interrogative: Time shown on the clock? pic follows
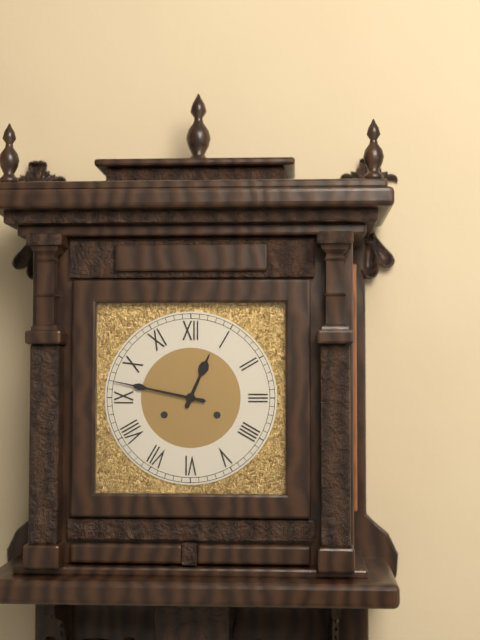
12:47
